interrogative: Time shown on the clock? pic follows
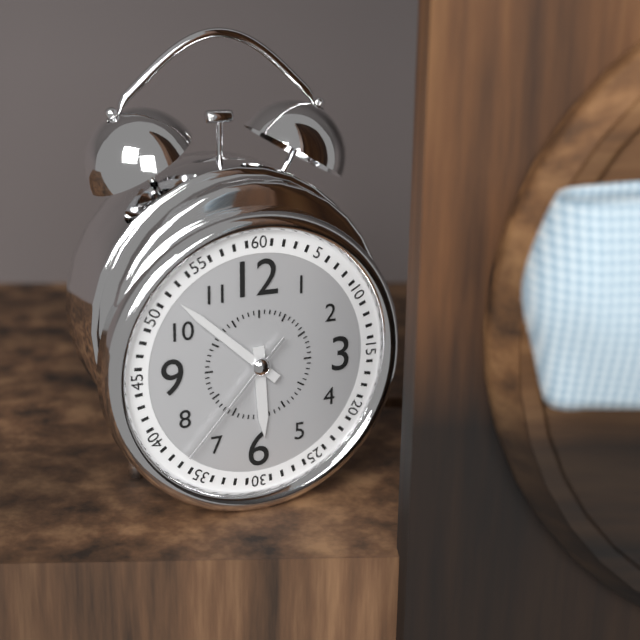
5:52:37
